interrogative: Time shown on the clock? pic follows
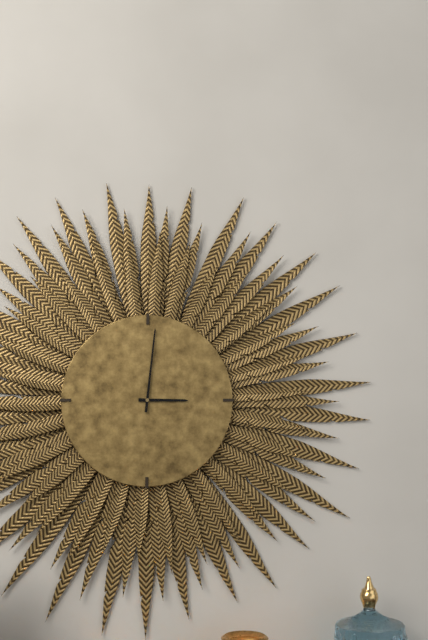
3:01
